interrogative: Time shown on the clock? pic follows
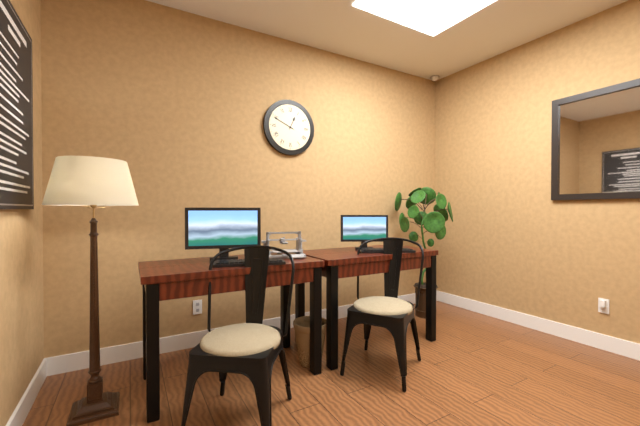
12:49
